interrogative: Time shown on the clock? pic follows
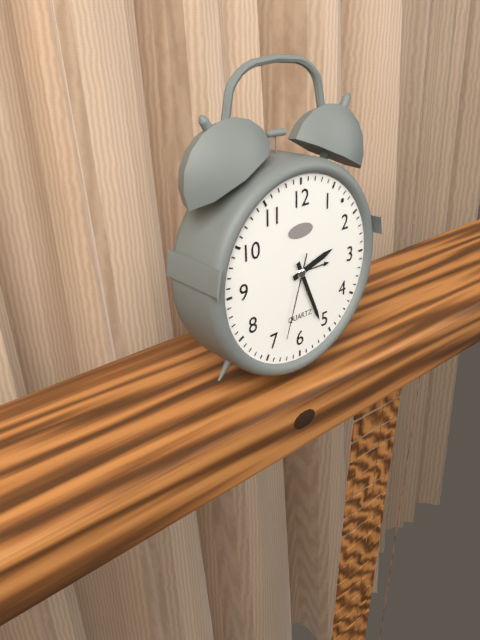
2:26:33
